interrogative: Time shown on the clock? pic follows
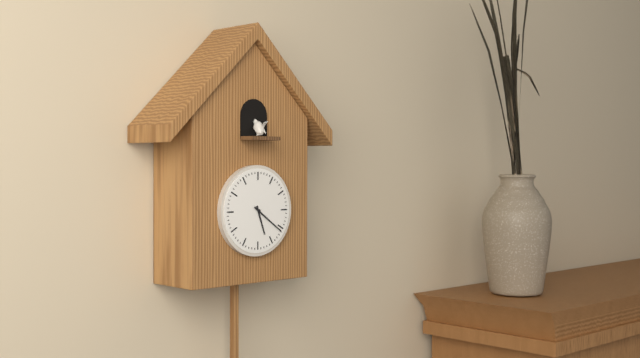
5:21
